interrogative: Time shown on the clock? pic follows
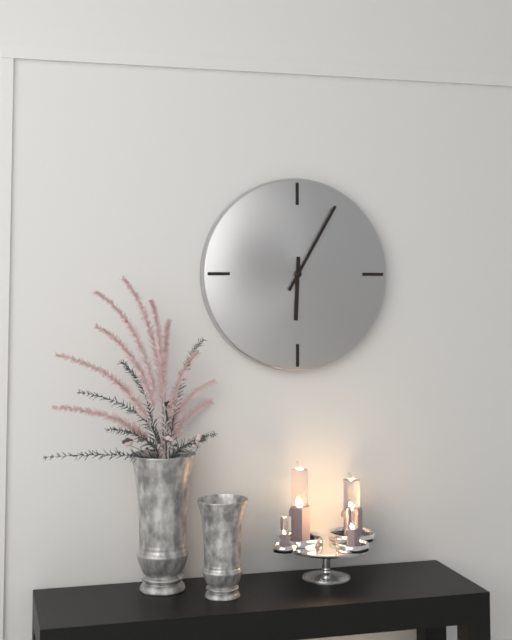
6:05
